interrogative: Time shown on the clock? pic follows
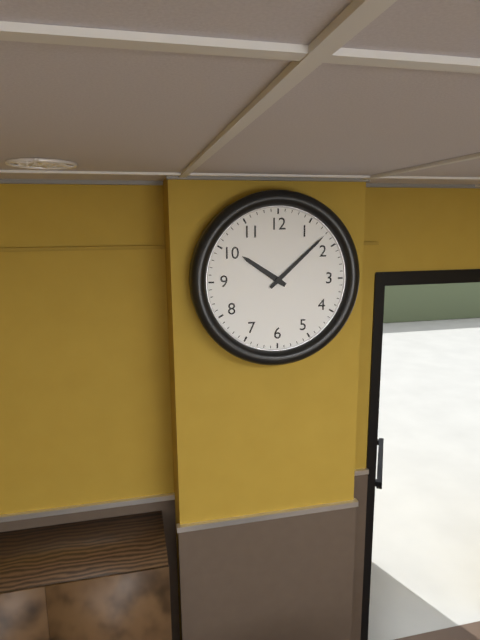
10:08
